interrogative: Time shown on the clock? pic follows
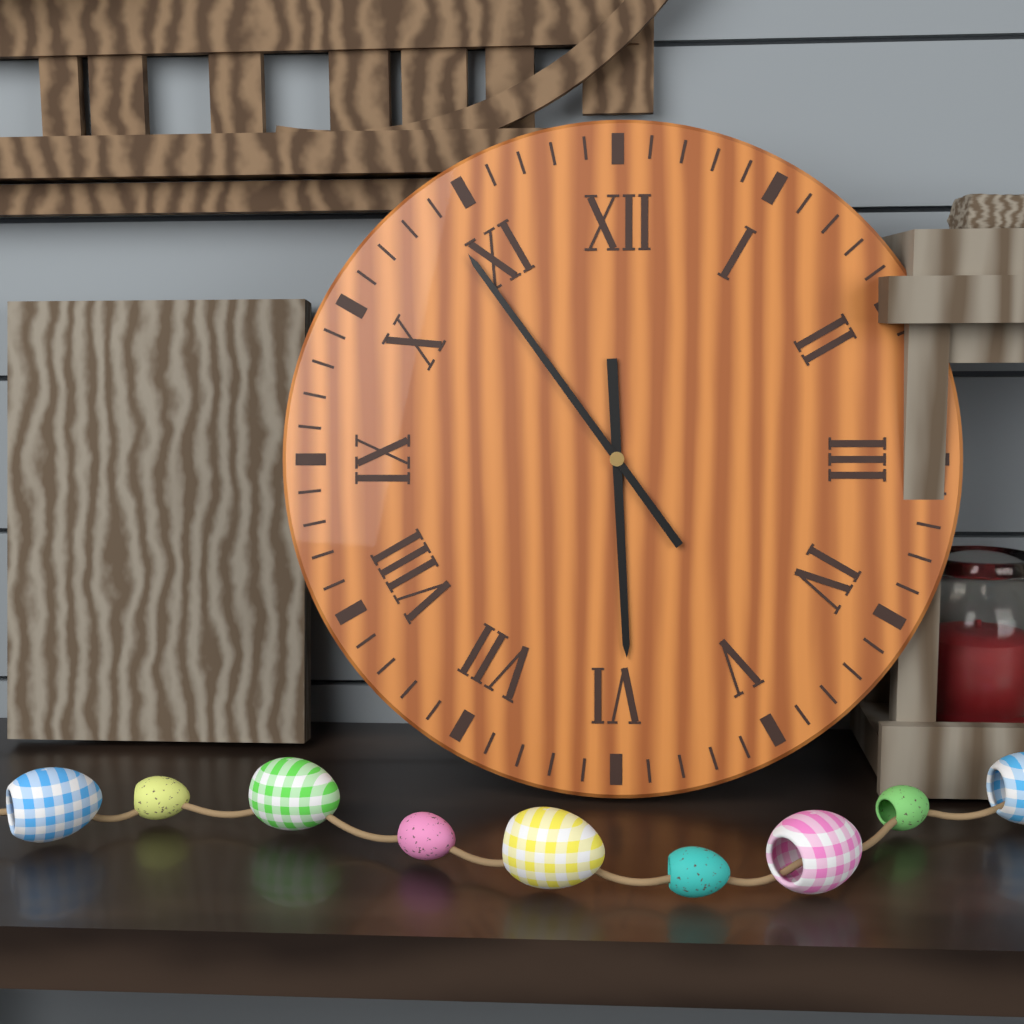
5:54
